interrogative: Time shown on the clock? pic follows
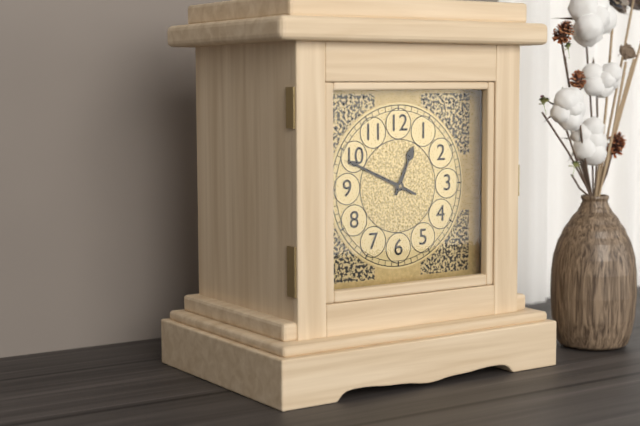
12:49
